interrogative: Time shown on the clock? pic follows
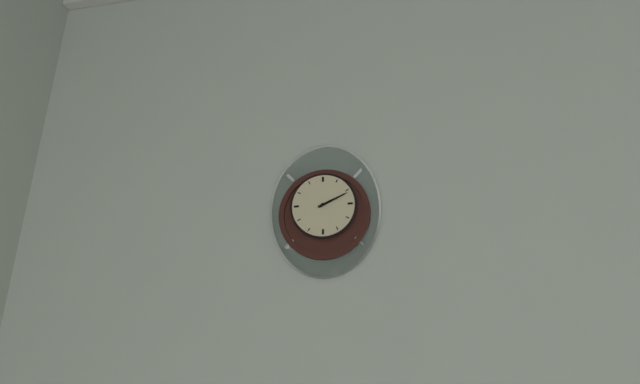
2:11
